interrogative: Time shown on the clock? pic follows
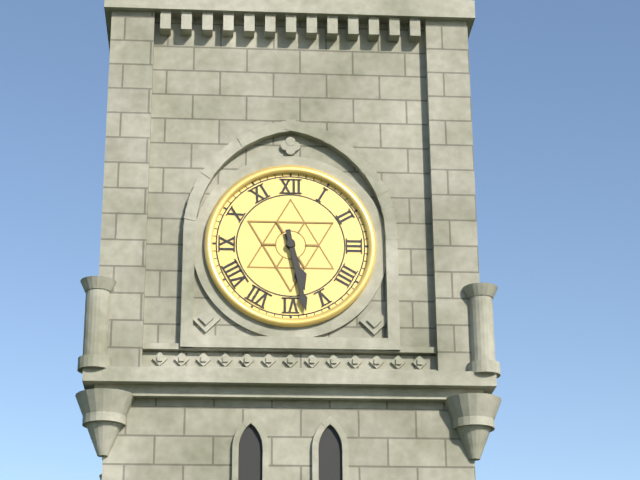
5:28
